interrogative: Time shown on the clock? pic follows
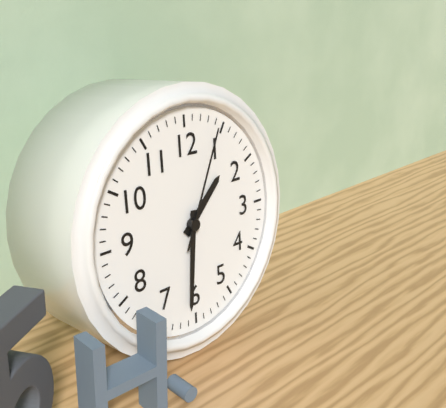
1:31:04
